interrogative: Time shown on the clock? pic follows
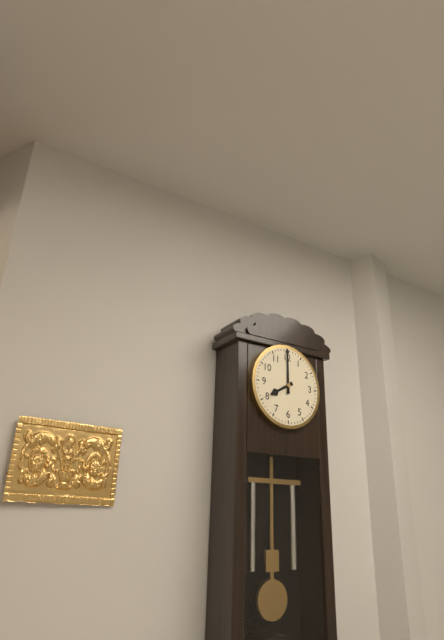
8:00
